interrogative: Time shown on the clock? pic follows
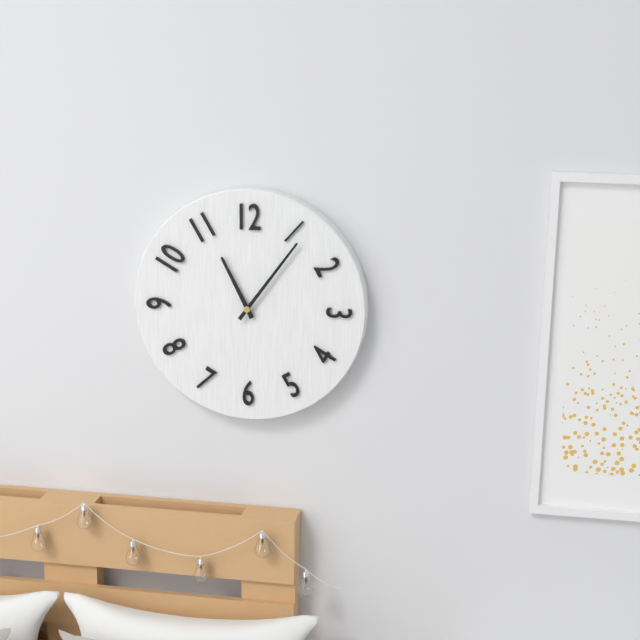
11:06
